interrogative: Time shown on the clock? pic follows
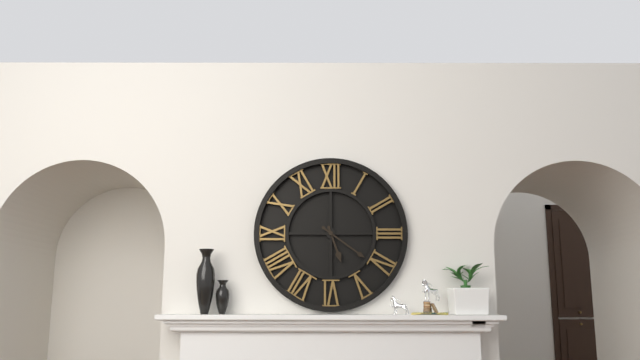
5:21
